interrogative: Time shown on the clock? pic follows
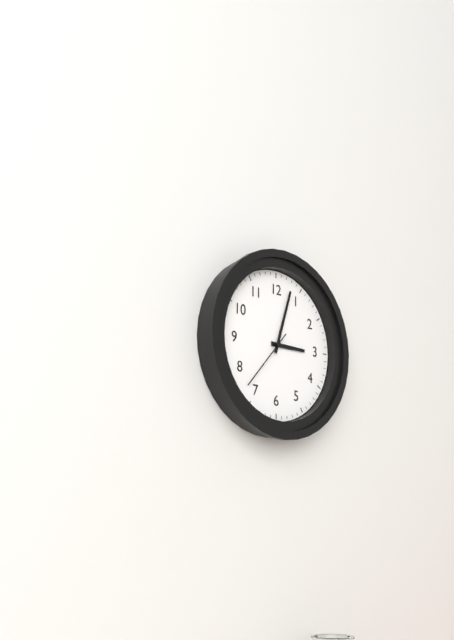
3:03:37
